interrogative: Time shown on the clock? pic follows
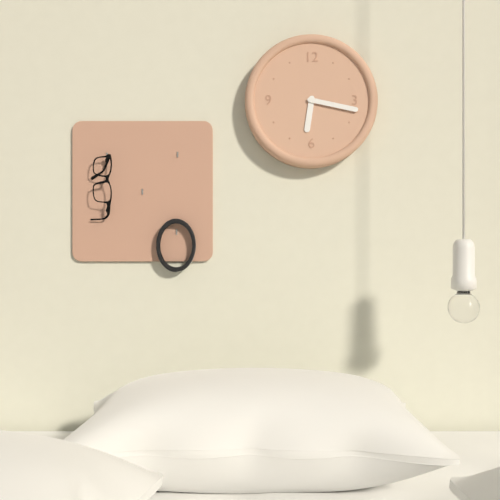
6:17
